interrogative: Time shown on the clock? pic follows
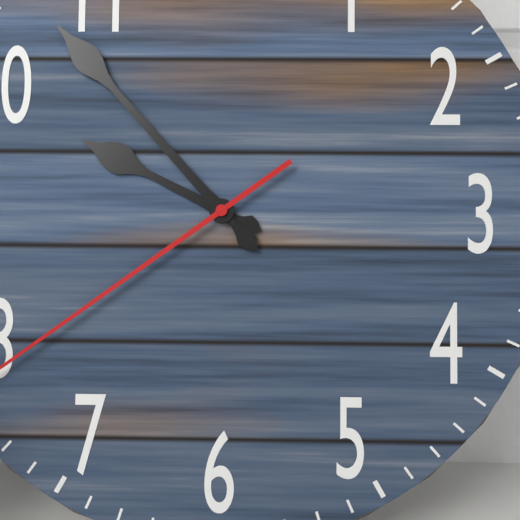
9:53
